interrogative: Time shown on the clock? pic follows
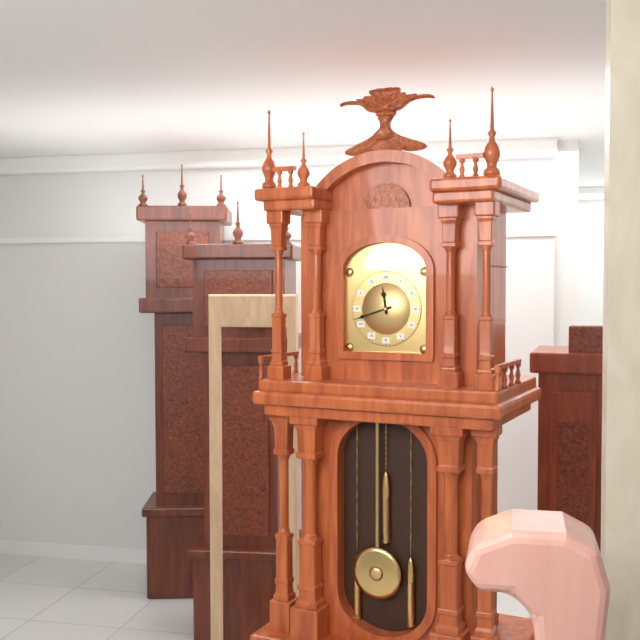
11:42
